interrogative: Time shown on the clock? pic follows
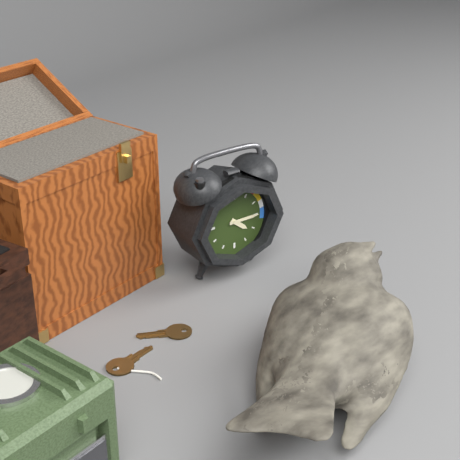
4:15
